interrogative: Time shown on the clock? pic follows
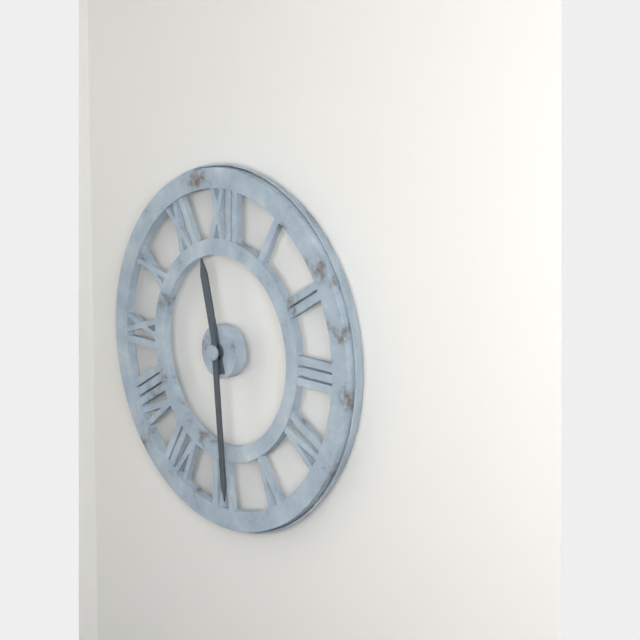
11:29
